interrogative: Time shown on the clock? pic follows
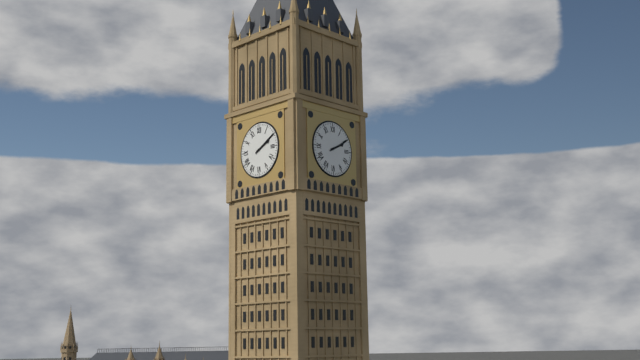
2:10
